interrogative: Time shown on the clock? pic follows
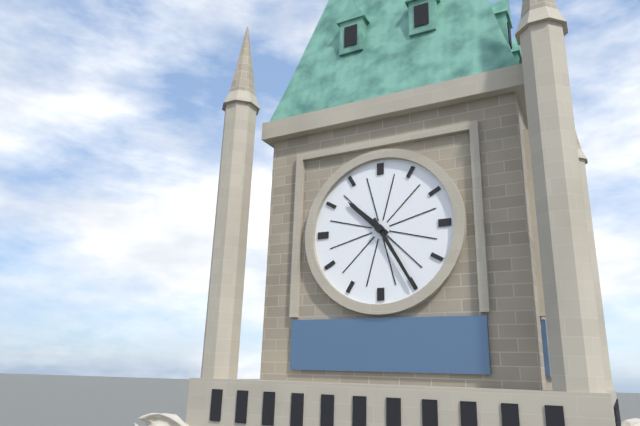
10:25
